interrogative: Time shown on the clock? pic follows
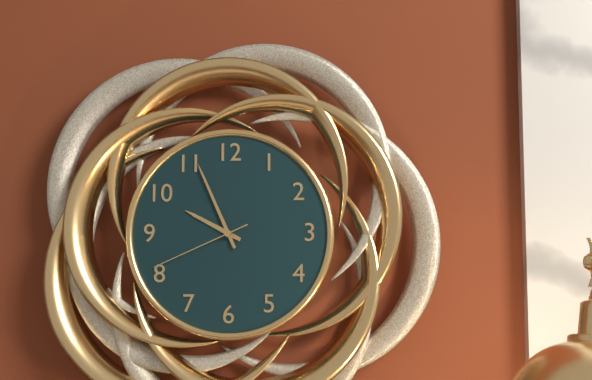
9:56:41
